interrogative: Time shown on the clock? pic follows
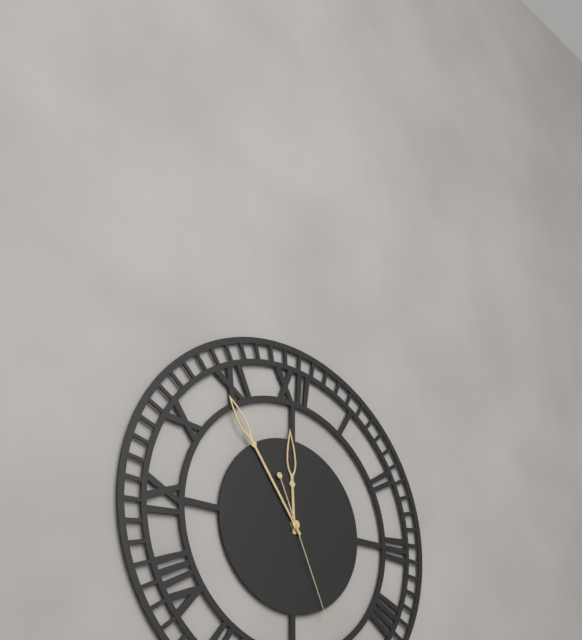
11:54:26
